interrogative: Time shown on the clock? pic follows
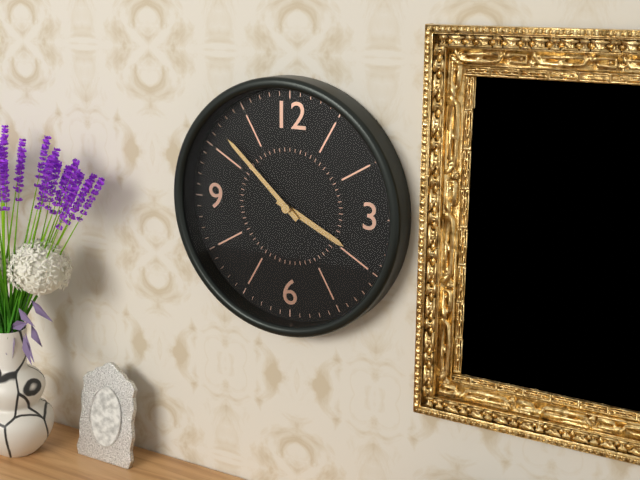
3:52
